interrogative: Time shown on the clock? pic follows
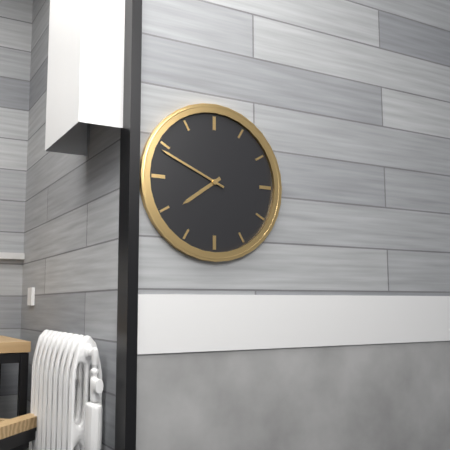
7:49
